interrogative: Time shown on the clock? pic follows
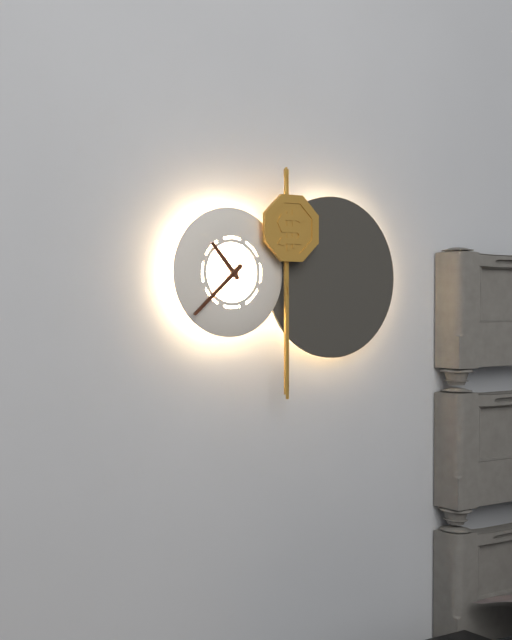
10:38
